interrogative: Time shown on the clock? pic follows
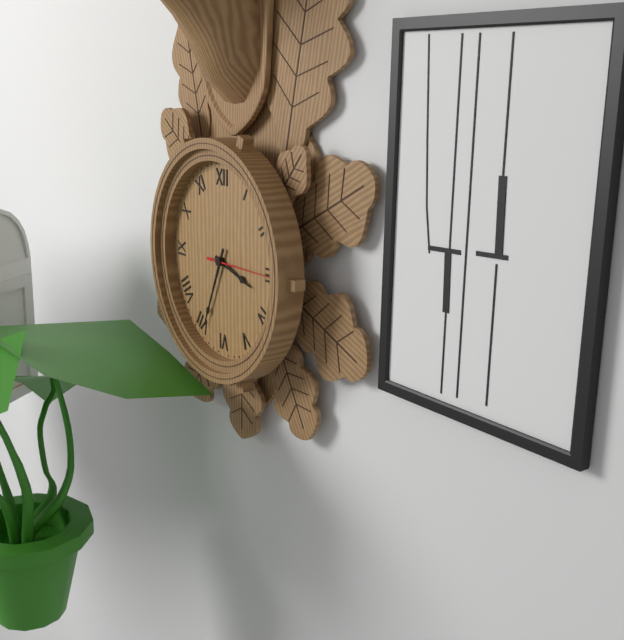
3:34:15
